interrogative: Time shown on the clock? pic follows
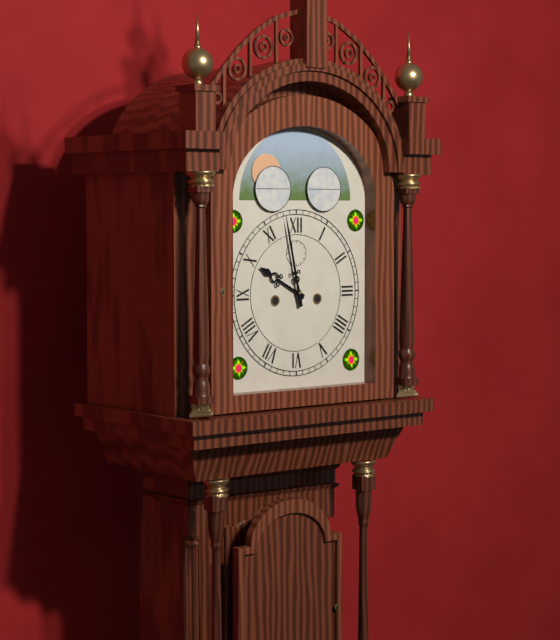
9:58
